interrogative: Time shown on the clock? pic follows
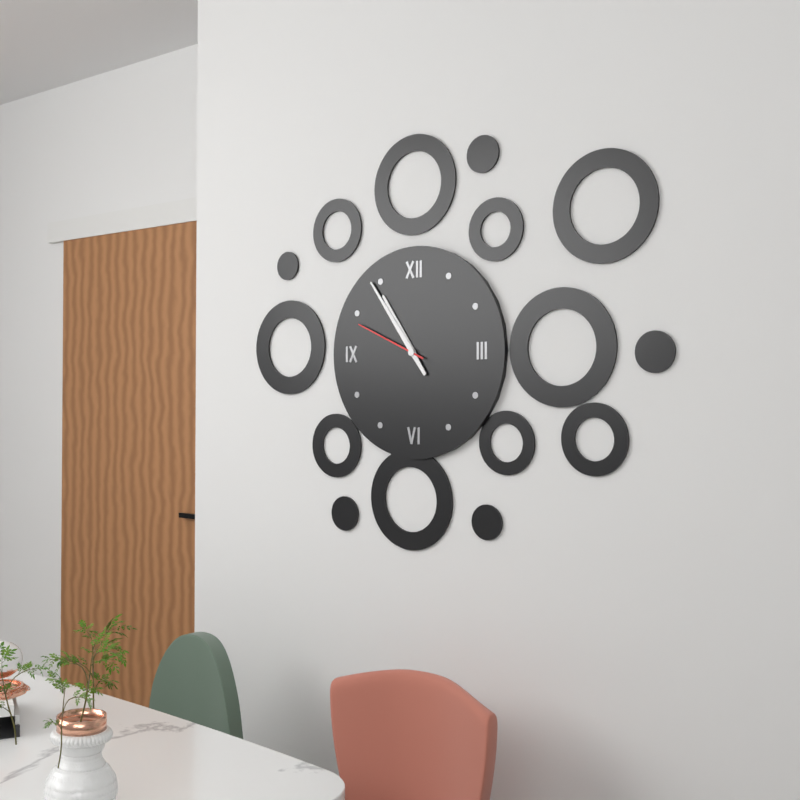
10:54:49
